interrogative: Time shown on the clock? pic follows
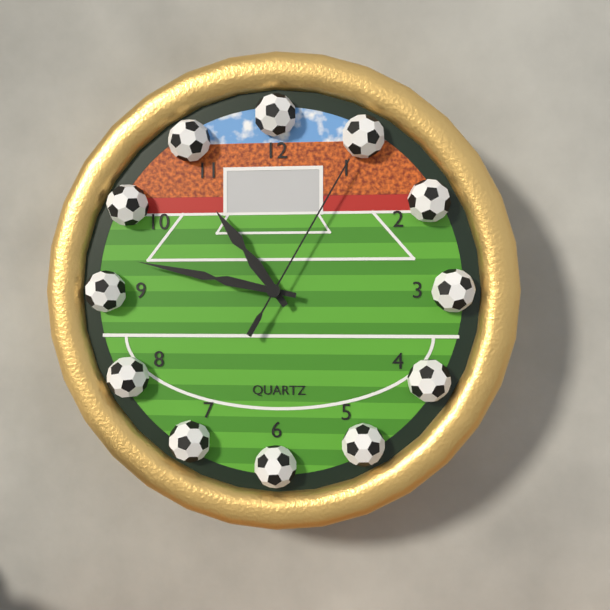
10:47:05
